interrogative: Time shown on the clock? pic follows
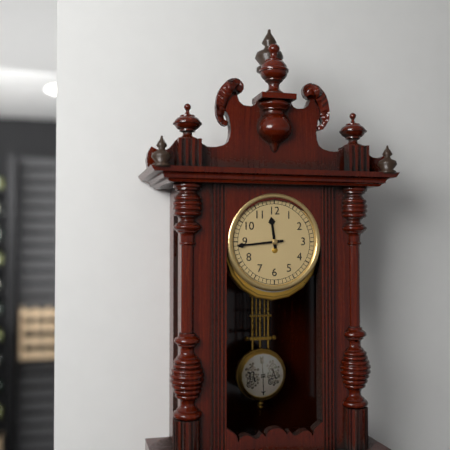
11:44
